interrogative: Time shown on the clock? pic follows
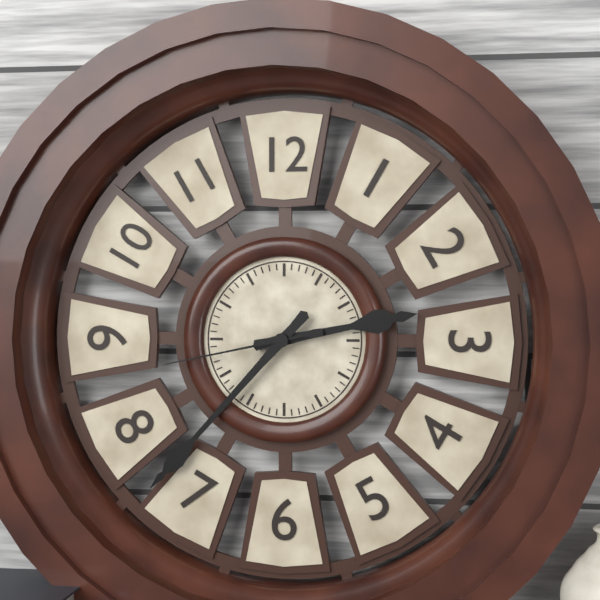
2:37:43
